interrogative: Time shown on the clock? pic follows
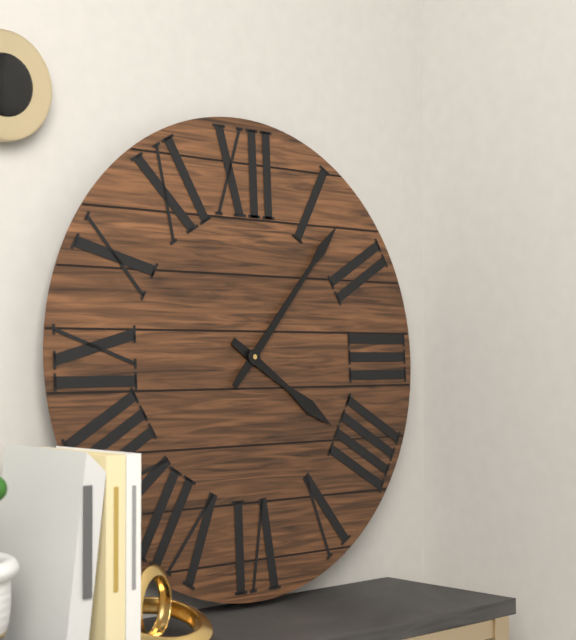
4:07
